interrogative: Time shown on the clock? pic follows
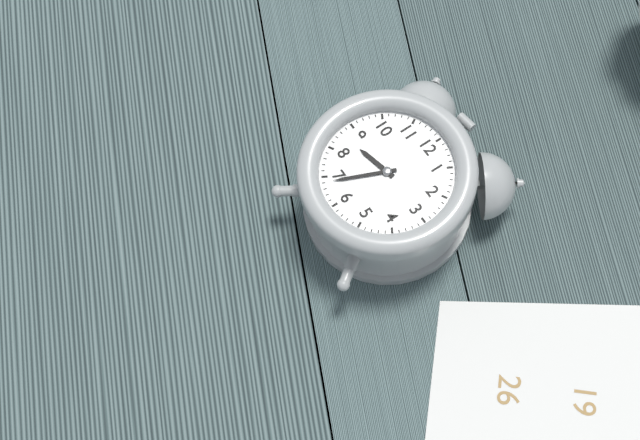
8:34
